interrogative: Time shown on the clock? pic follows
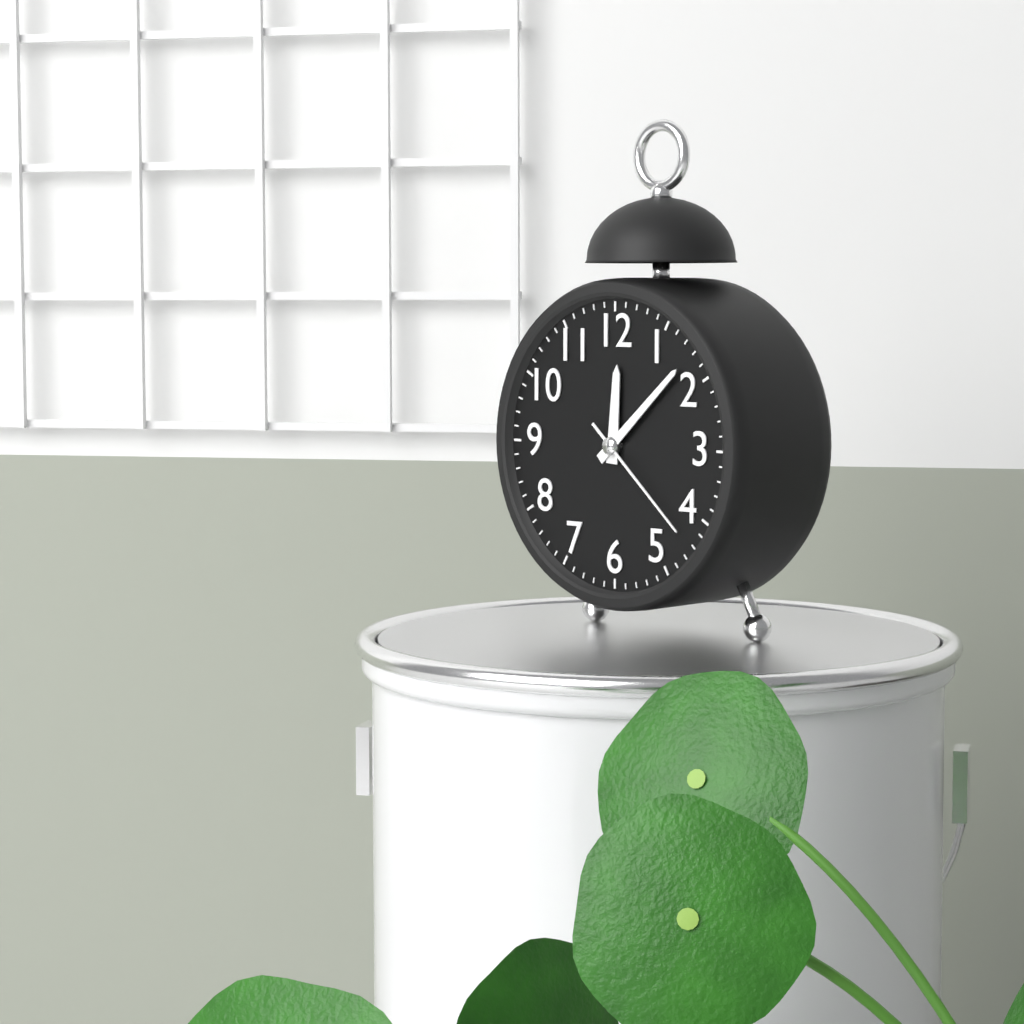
12:08:22
